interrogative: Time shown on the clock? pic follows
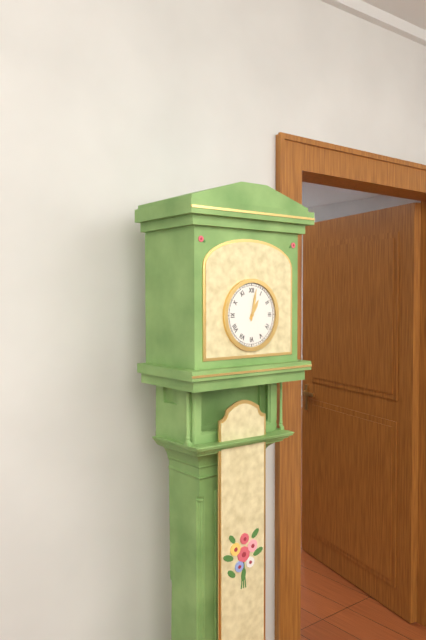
1:02
